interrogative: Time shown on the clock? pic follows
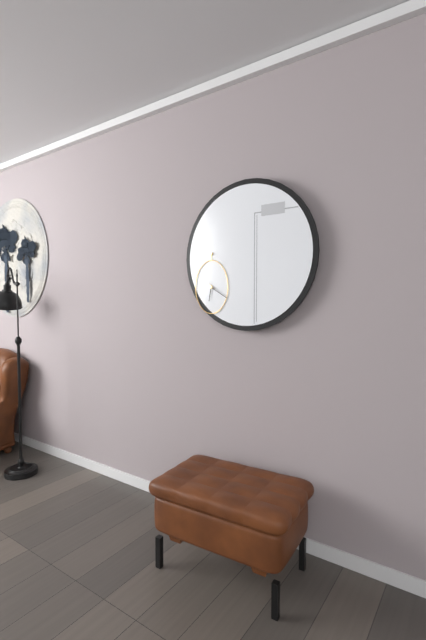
6:20
